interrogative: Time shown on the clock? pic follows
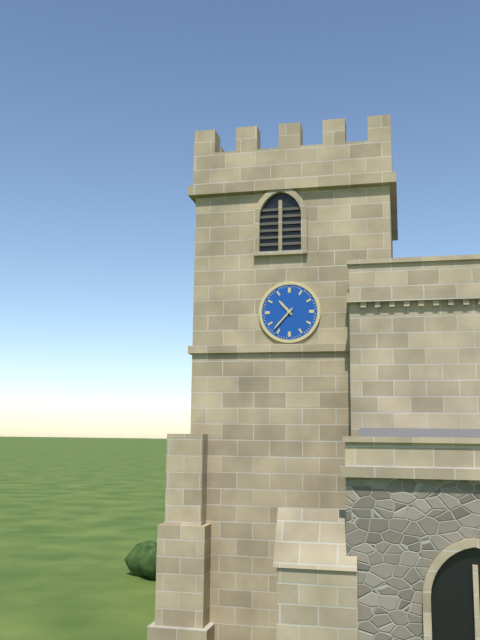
10:37
